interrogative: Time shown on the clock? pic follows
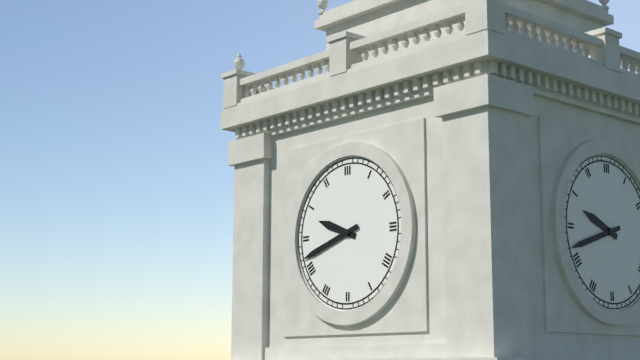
9:42
